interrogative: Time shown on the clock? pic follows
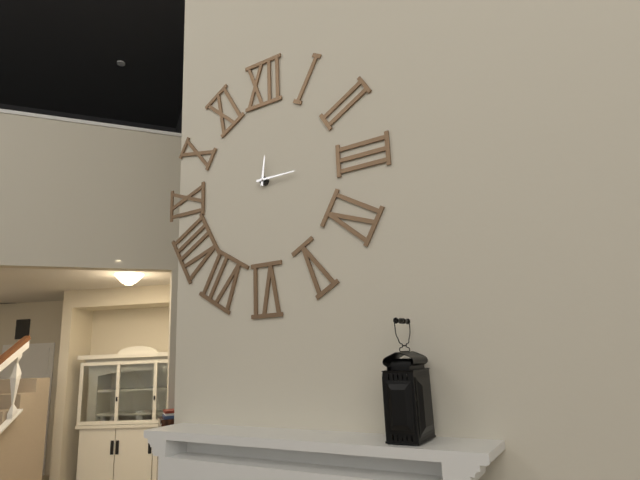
12:15
